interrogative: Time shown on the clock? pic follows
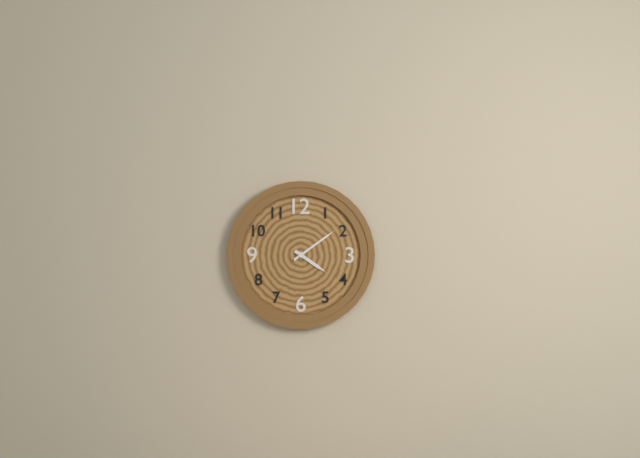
4:09
